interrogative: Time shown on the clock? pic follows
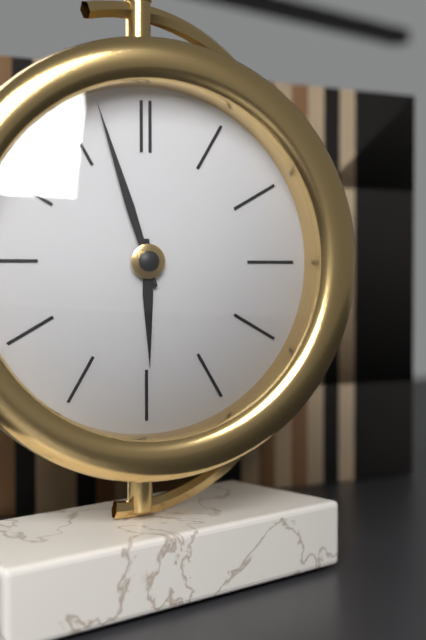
5:57
